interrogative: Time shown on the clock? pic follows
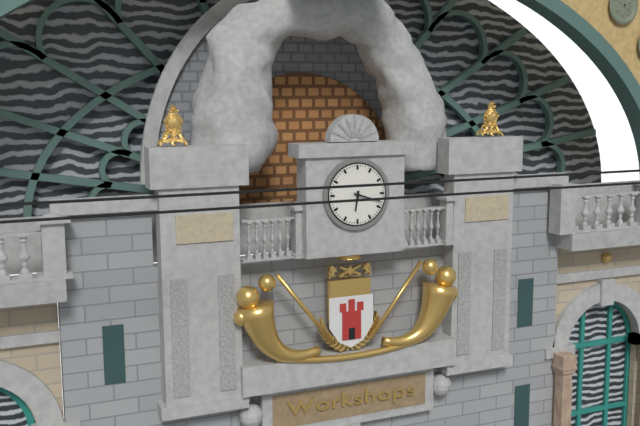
6:18
